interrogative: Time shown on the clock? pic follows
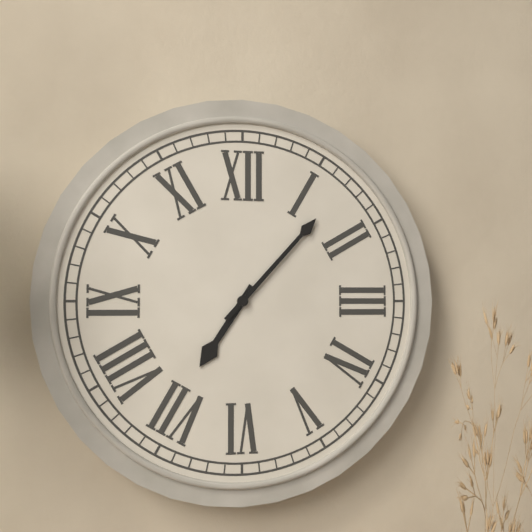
7:07
